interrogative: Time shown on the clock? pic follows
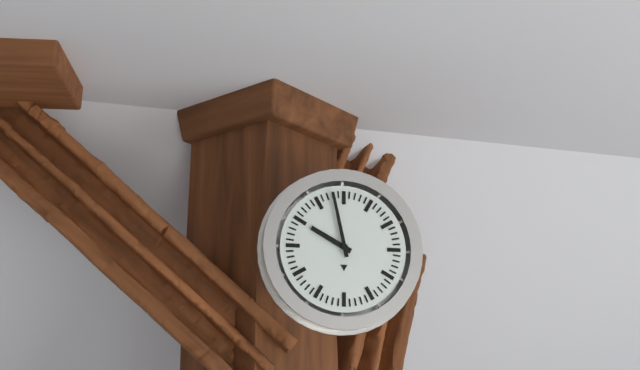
9:58
